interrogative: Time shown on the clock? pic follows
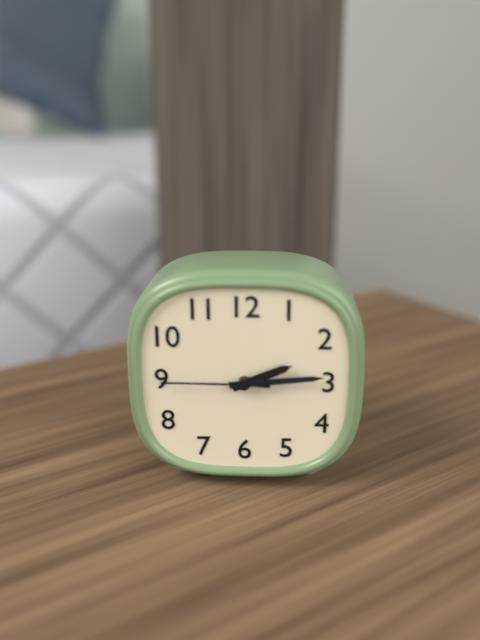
2:14:45
